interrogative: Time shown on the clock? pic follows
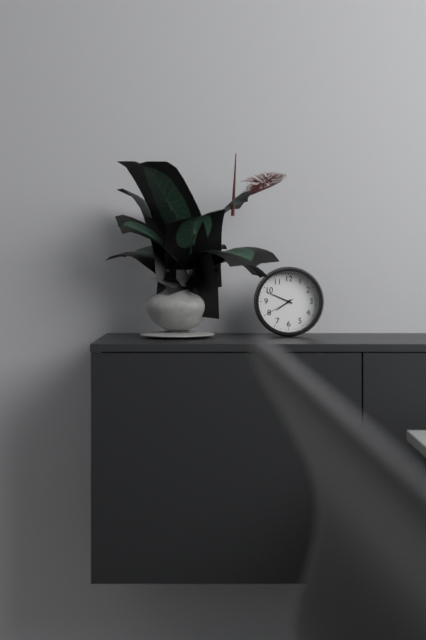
7:49
